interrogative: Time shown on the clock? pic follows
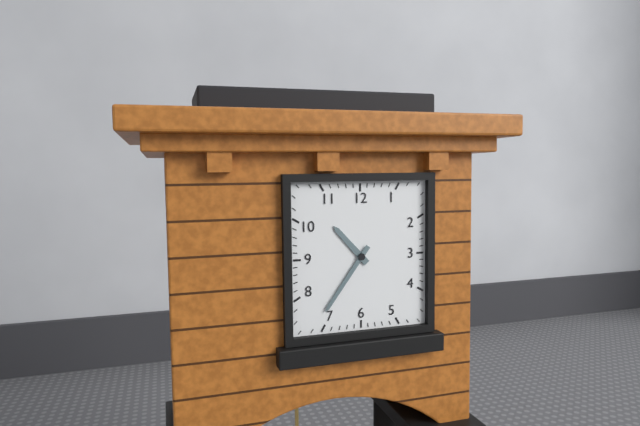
10:36
